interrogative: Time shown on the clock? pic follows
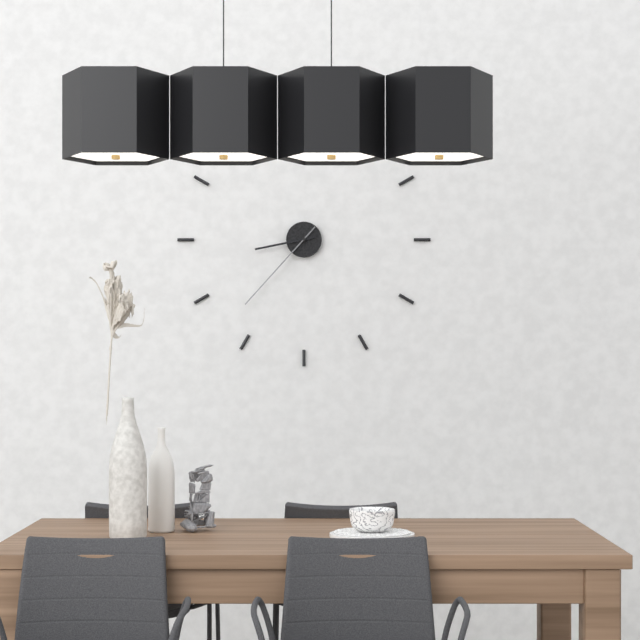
8:37
